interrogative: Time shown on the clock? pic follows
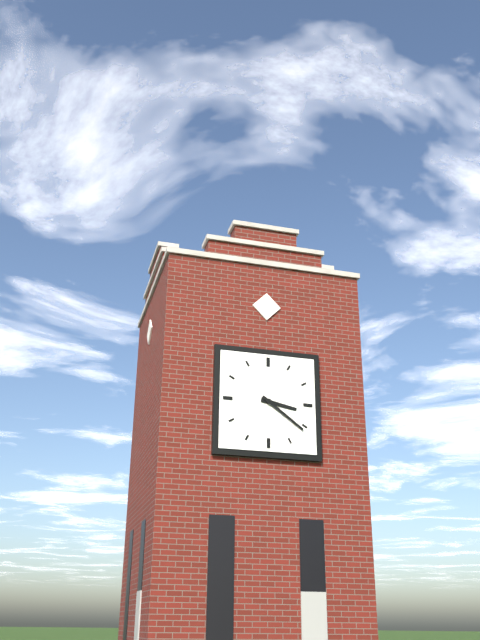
3:21
